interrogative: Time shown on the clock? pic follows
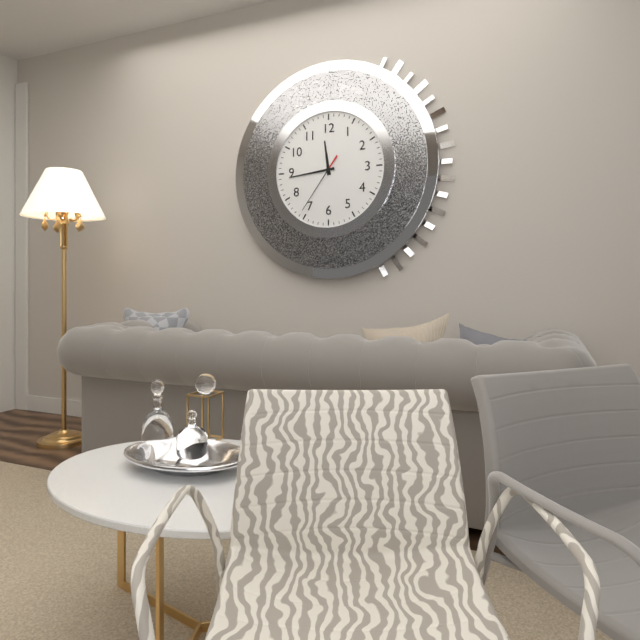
11:44:36
